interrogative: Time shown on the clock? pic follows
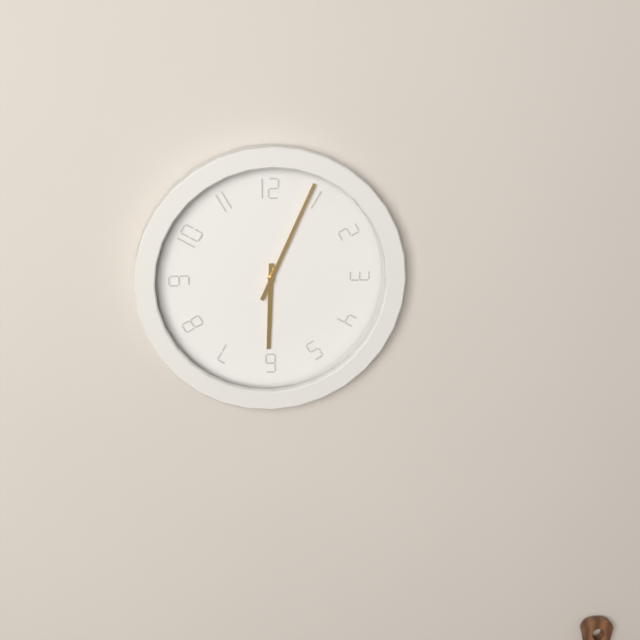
6:04
